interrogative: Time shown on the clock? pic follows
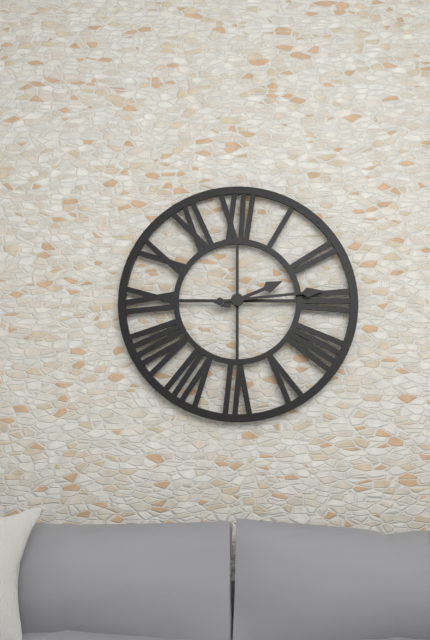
2:14
